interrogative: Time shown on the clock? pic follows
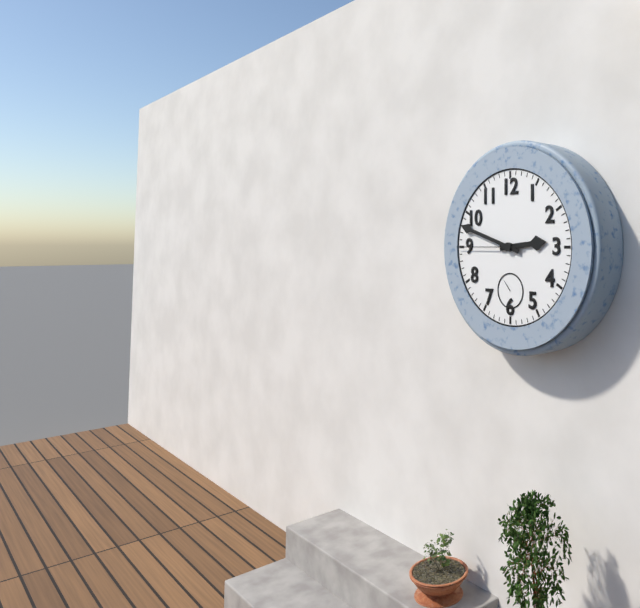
2:48:45
